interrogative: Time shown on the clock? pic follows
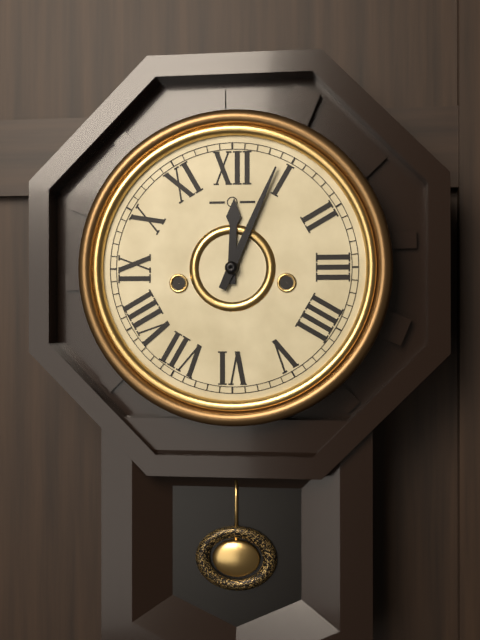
12:04
